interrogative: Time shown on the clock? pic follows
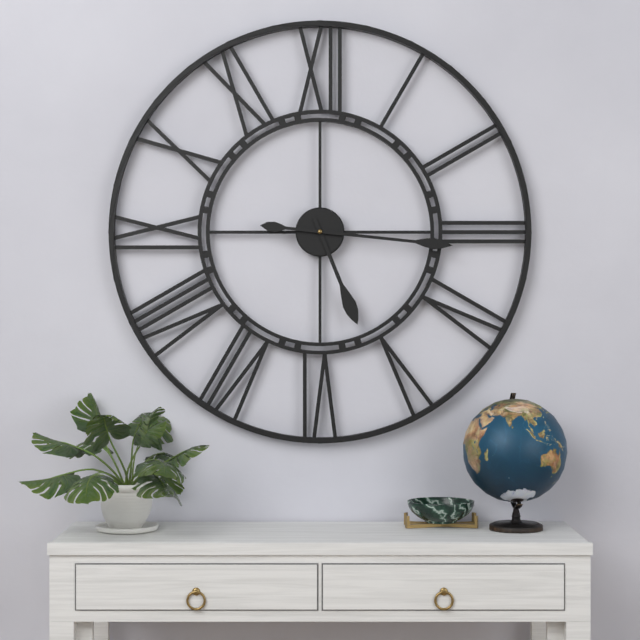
5:16
